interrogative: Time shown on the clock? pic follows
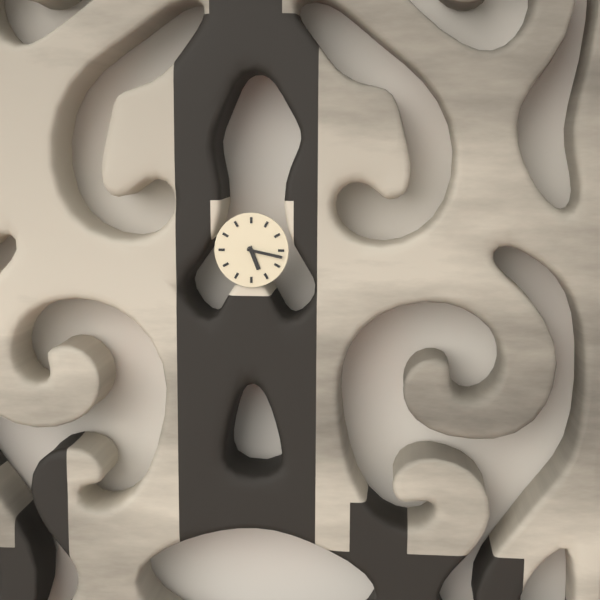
5:17
